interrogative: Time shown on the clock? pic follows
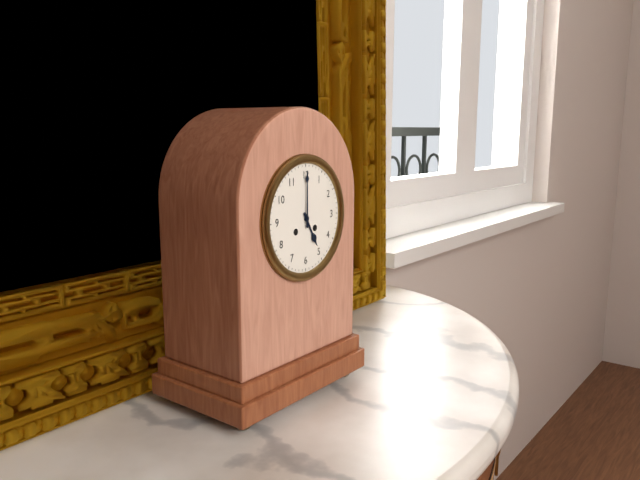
5:00
